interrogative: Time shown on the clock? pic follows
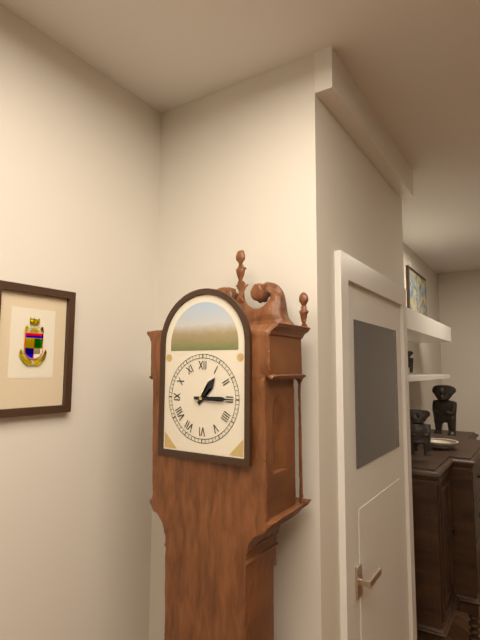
1:15
